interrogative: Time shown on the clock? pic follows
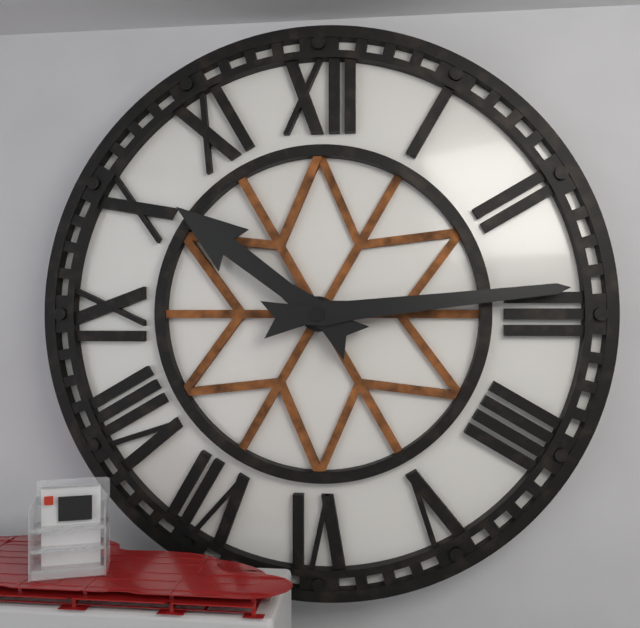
10:14
